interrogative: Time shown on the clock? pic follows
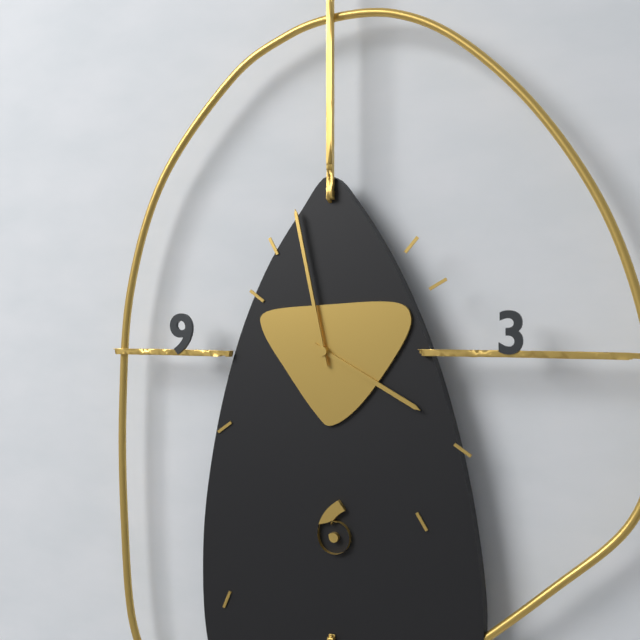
3:58
